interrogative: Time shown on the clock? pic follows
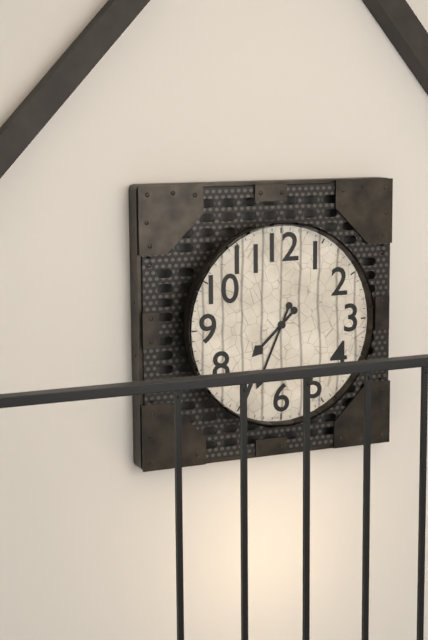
7:34
